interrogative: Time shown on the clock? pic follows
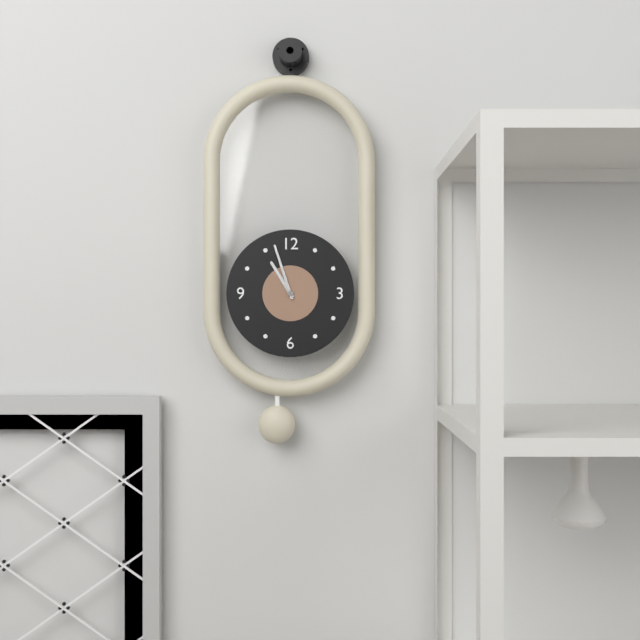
10:57
